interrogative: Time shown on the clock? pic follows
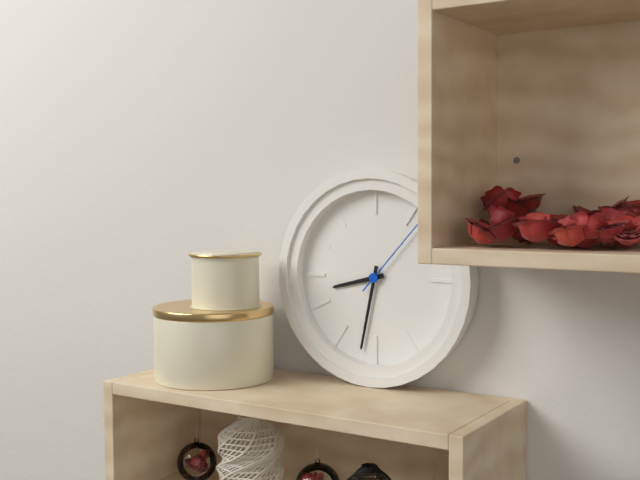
8:32:07
